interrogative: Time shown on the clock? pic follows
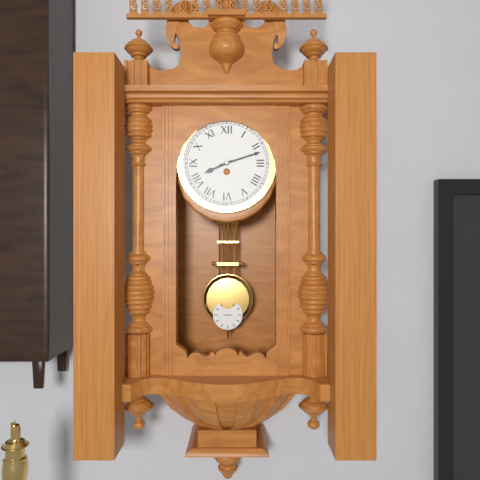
8:12
